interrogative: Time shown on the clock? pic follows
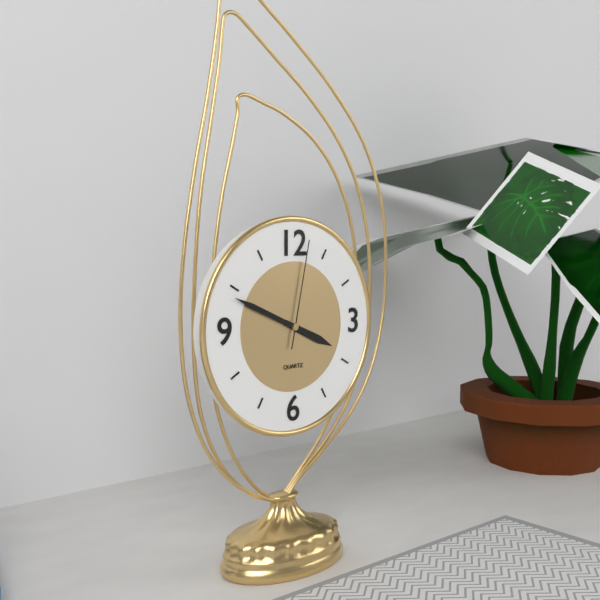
3:49:02
